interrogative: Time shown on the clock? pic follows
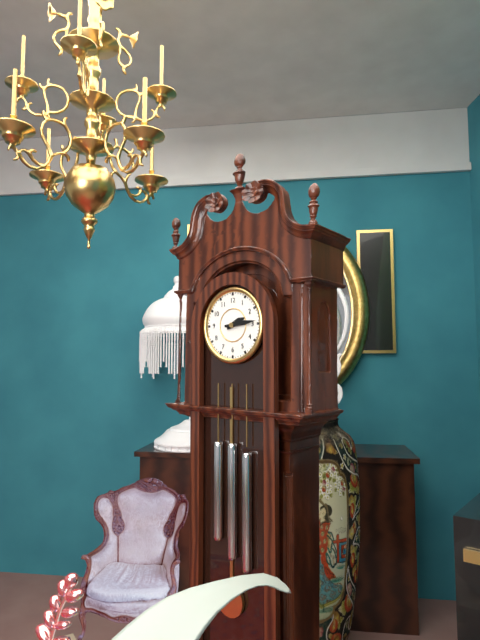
2:14
